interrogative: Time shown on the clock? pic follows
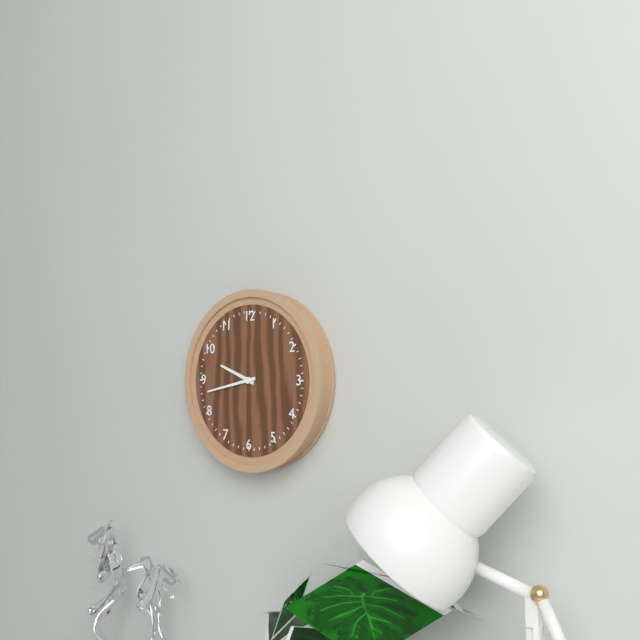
9:43
